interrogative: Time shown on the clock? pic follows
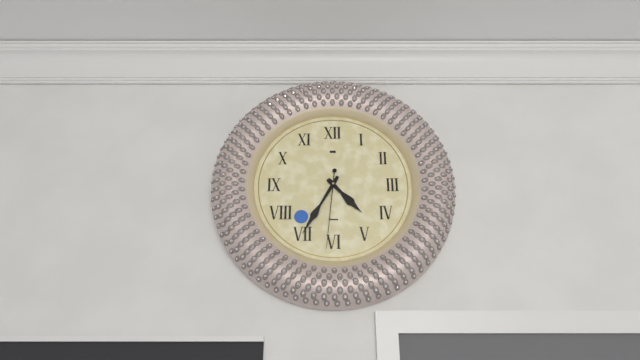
4:35:31
